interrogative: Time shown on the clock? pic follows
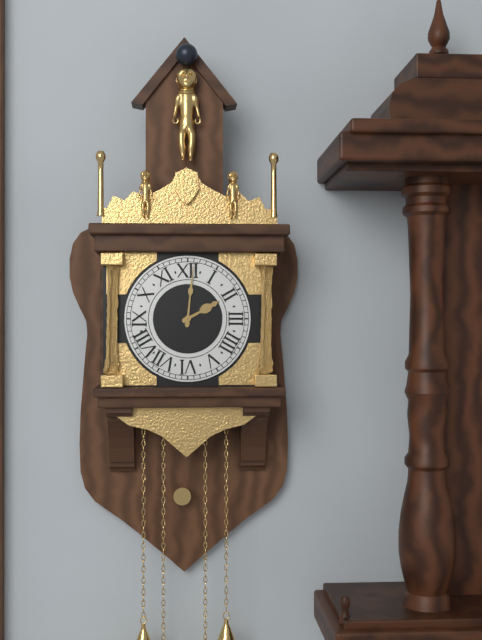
2:01
